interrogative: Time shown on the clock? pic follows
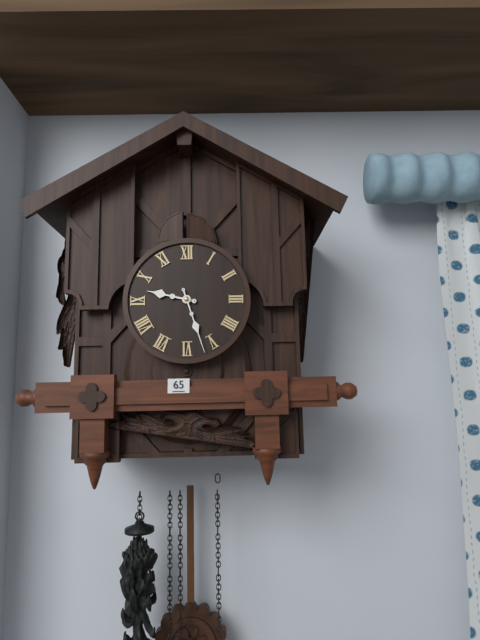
9:27
